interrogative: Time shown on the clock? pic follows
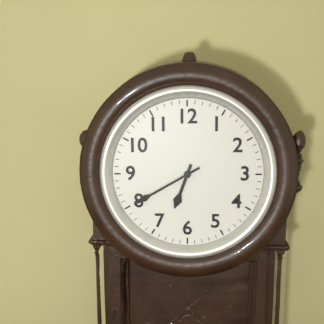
6:40
